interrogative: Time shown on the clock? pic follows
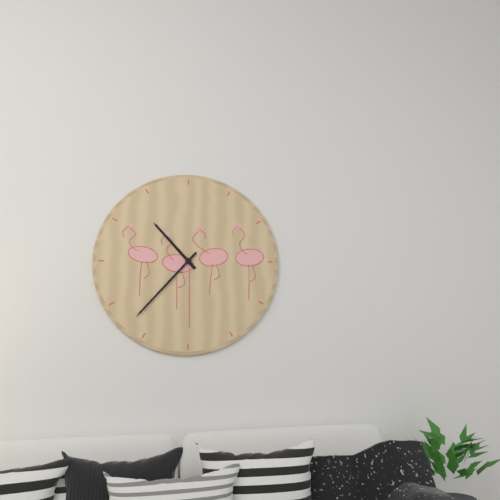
10:37
